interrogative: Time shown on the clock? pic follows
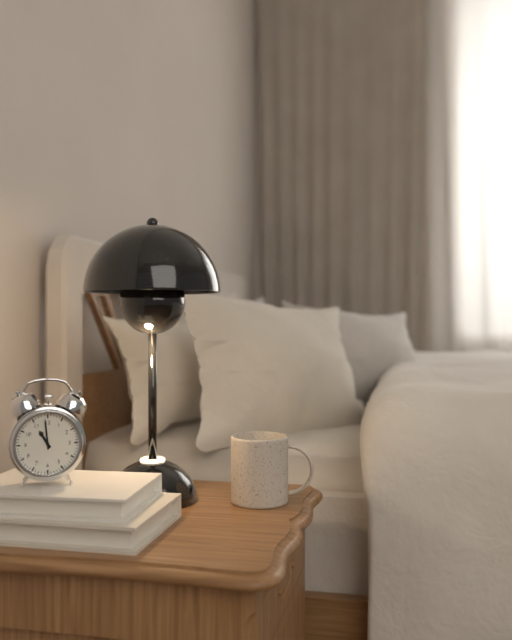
10:59
